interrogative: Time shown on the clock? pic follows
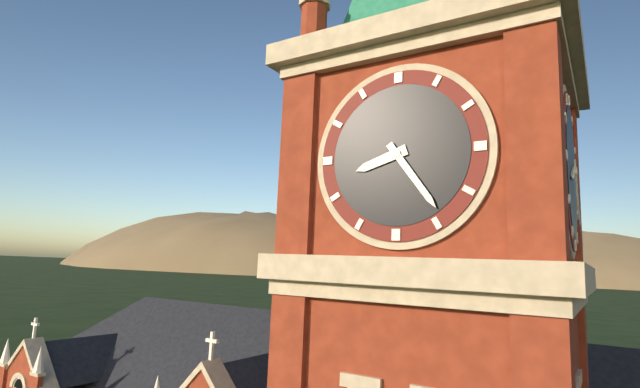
8:24
